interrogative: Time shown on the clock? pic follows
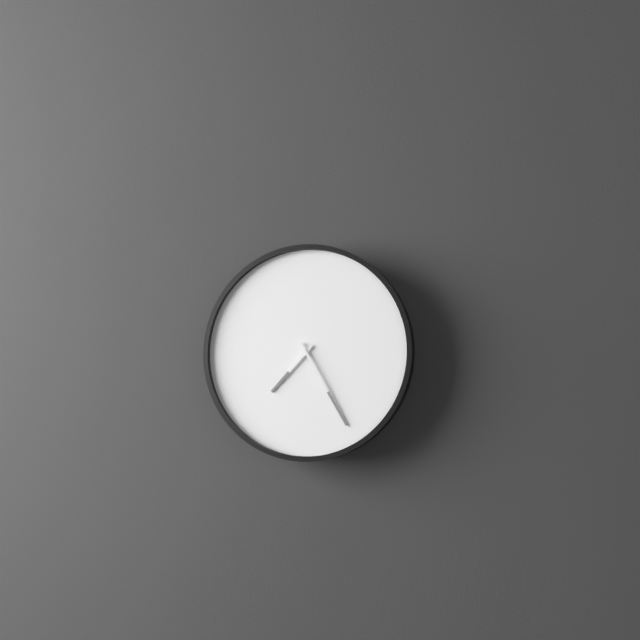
7:25
